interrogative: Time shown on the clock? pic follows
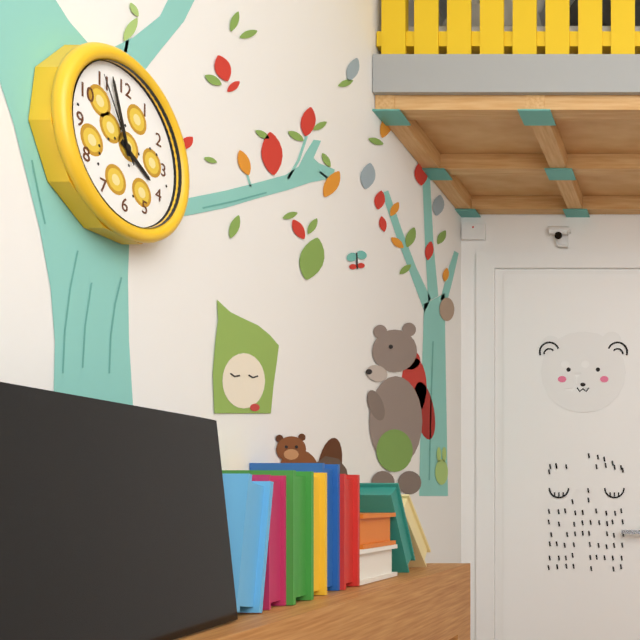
3:57:55
